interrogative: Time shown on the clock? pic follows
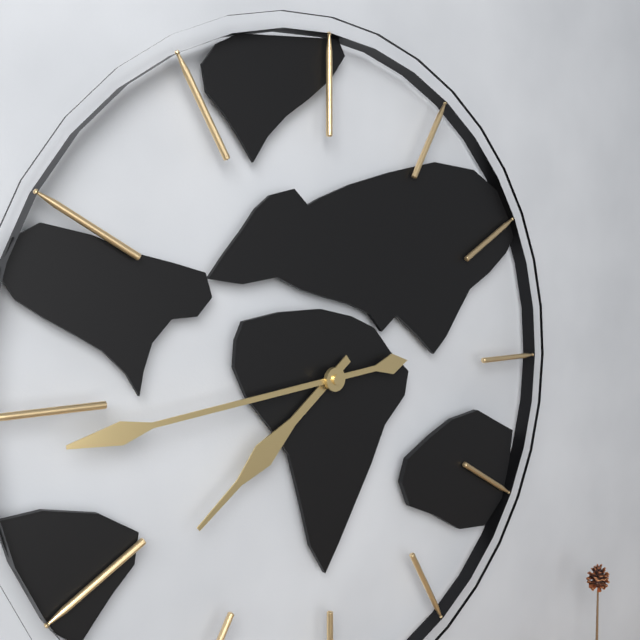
7:44
